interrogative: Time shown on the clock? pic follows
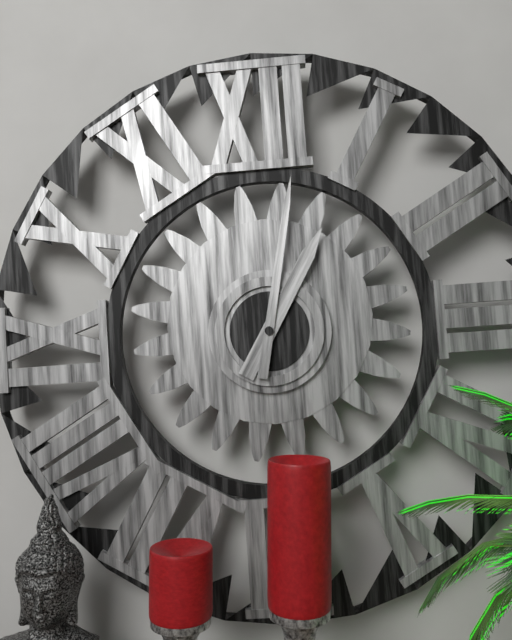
1:02
